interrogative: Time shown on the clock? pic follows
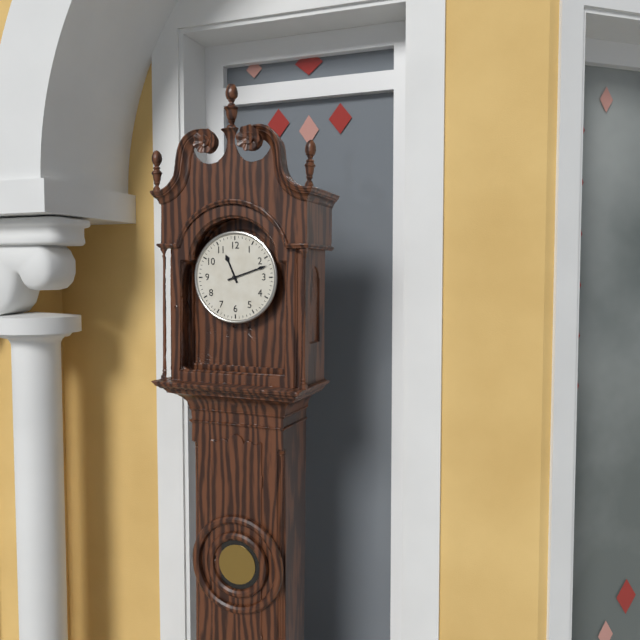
11:12
